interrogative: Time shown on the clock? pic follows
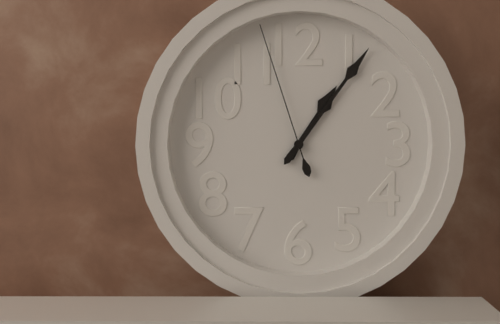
1:06:57
